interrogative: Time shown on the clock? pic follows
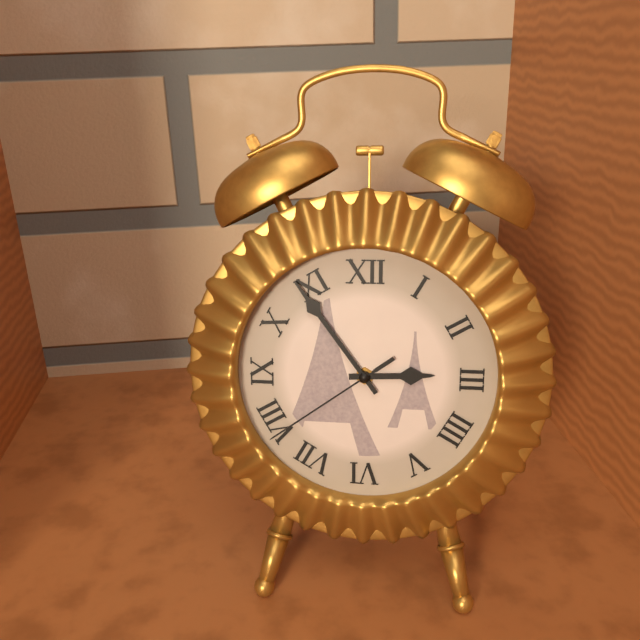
2:54:39
